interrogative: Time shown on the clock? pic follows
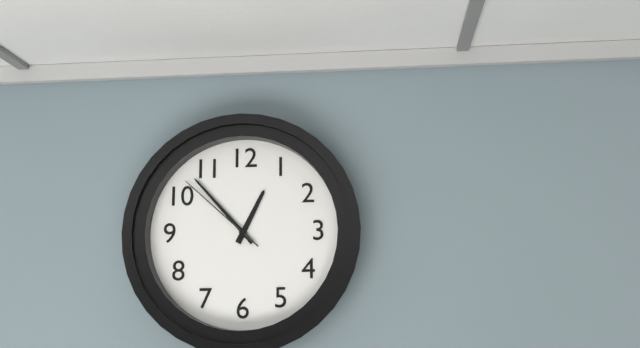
12:53:52
